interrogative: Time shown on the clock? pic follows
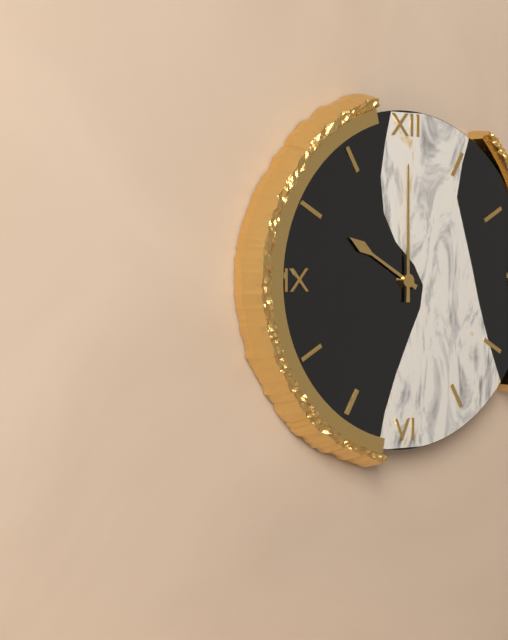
10:00
